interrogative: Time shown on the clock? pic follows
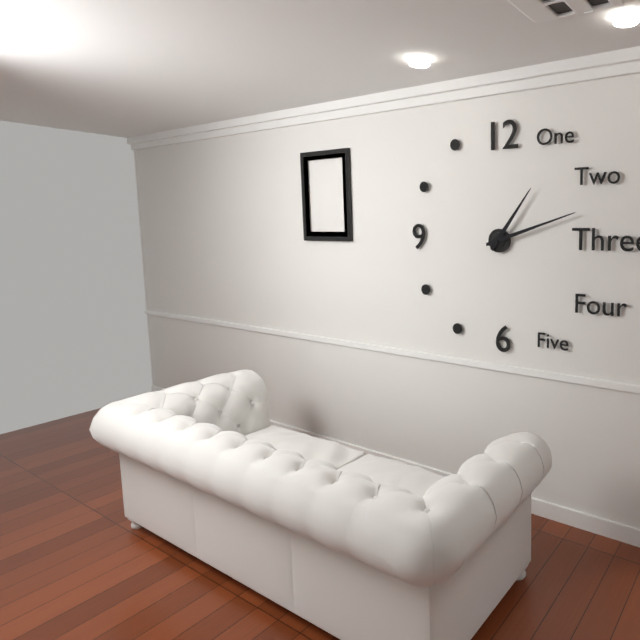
1:12
